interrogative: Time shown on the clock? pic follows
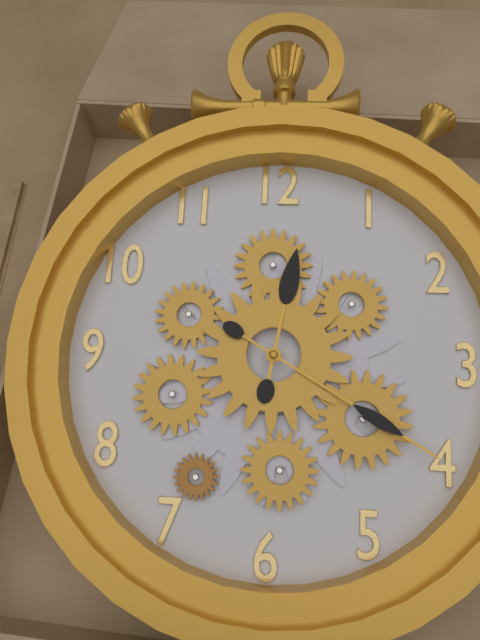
12:20
